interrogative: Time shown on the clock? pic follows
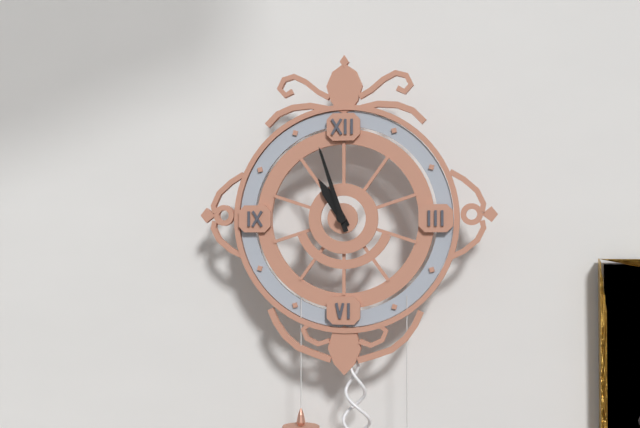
10:57
